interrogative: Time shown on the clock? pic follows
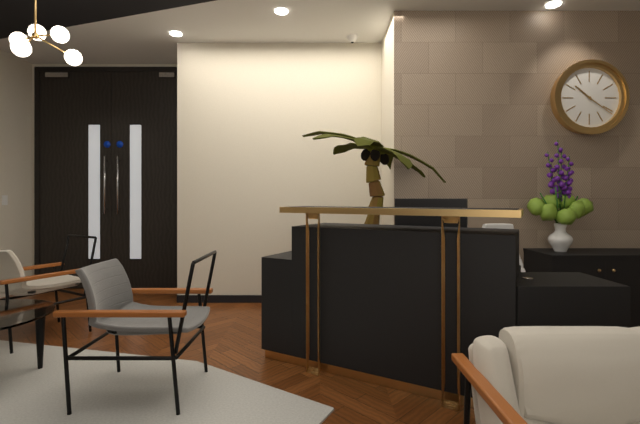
10:21
